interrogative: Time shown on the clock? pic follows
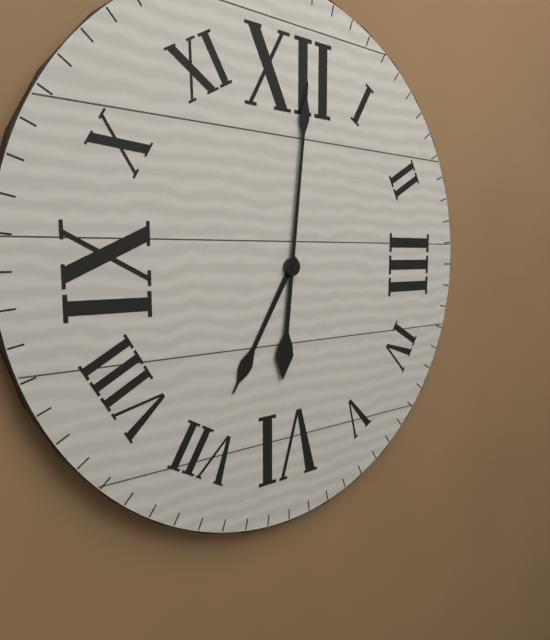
7:01
